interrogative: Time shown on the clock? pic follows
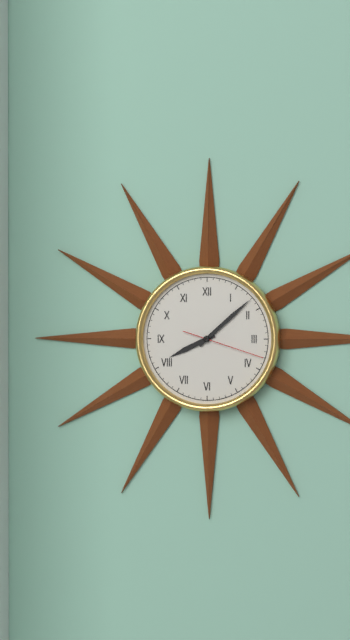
8:08:18
